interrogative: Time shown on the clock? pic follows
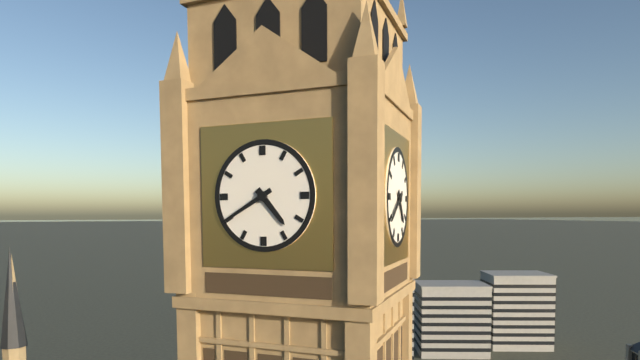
4:40
